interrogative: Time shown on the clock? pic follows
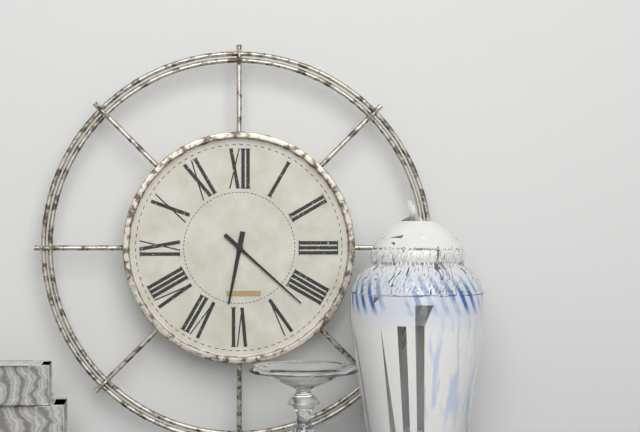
6:22
